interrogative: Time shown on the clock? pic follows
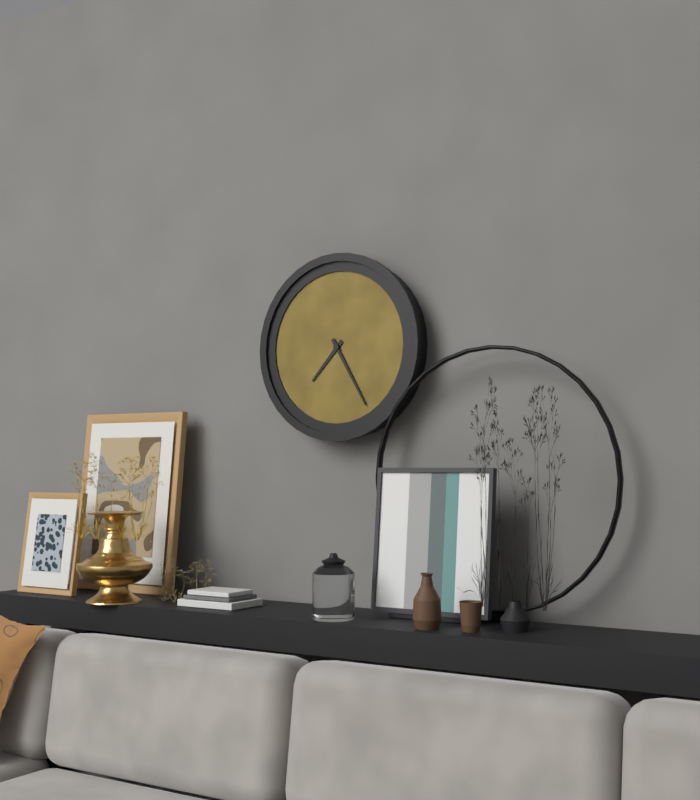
7:25
